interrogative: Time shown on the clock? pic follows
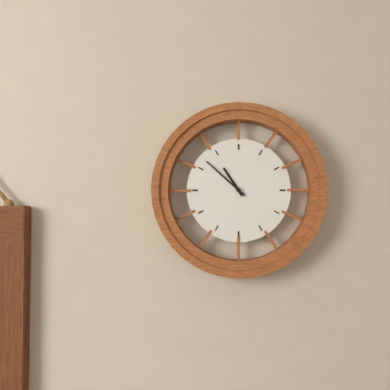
10:52
